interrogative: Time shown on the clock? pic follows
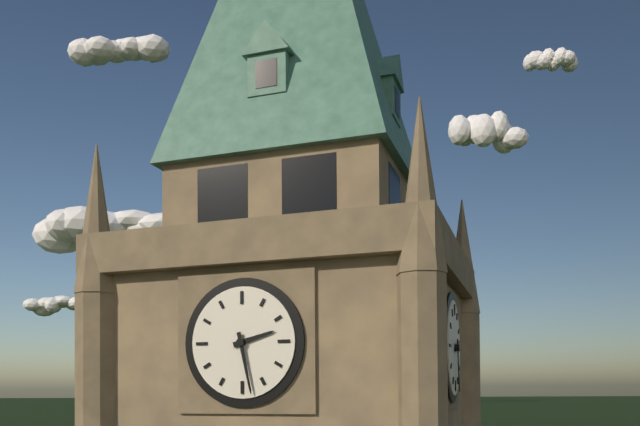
2:28
